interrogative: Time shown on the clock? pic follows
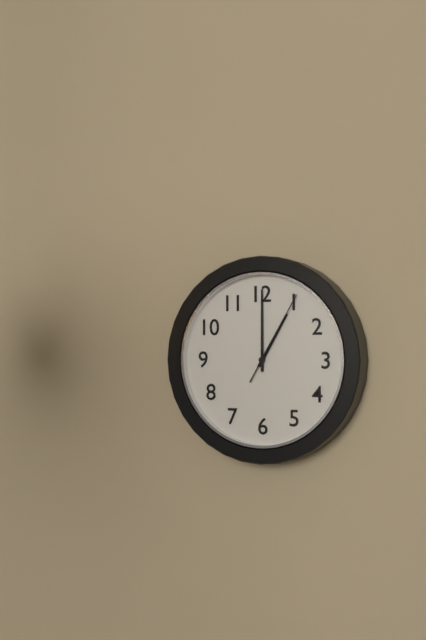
1:00:05
